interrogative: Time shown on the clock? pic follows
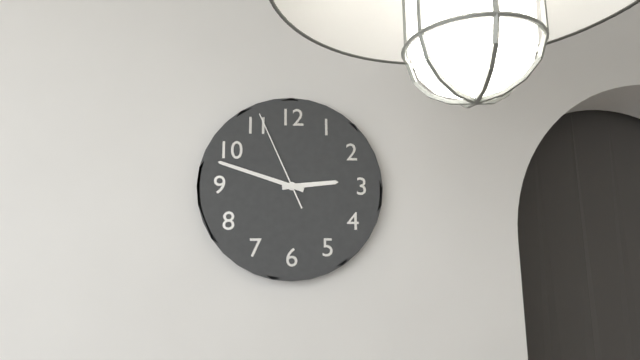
2:48:56
